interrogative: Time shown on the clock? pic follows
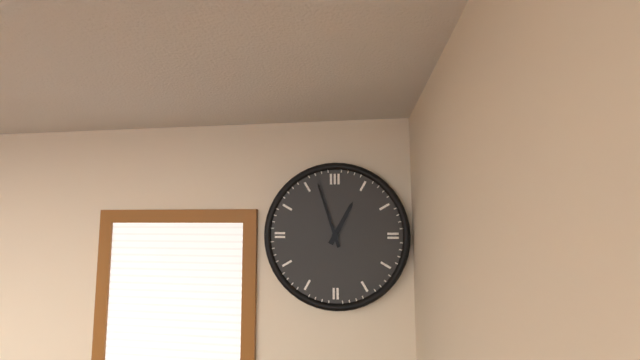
12:57
